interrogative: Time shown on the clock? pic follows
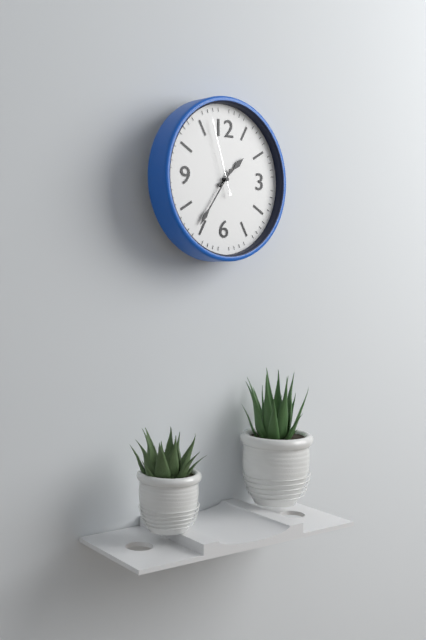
1:36:57
